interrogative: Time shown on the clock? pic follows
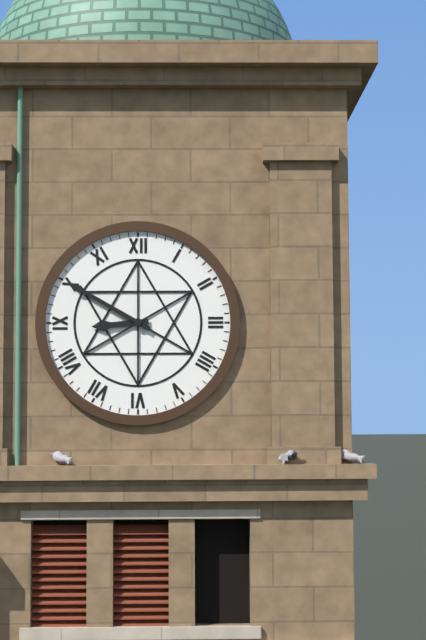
8:50
